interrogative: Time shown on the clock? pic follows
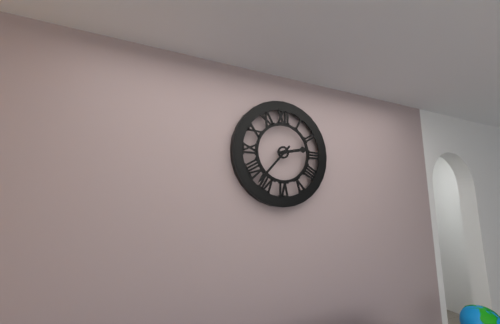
2:37
